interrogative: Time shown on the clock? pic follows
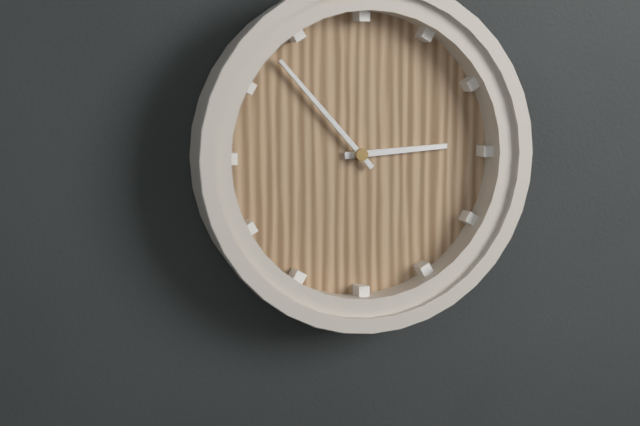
2:53
